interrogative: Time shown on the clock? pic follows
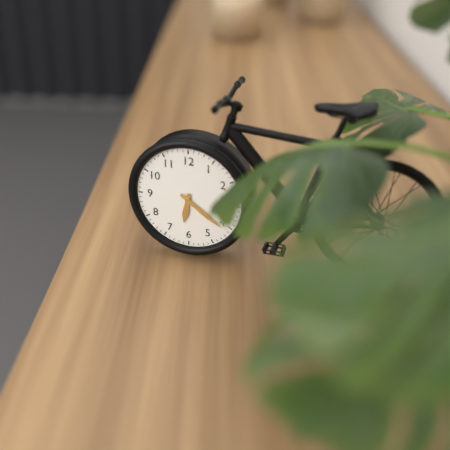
6:21
